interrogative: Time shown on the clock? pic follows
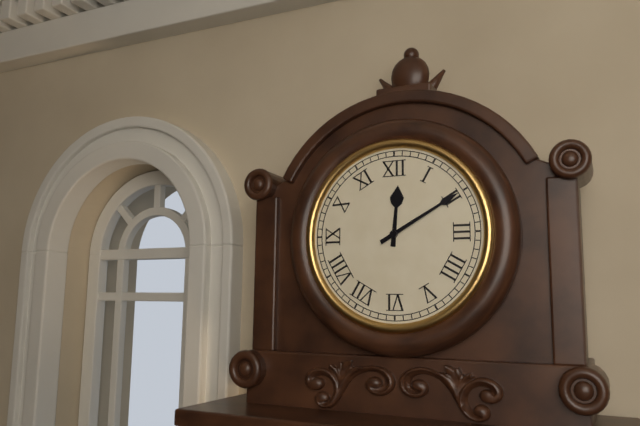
12:10
